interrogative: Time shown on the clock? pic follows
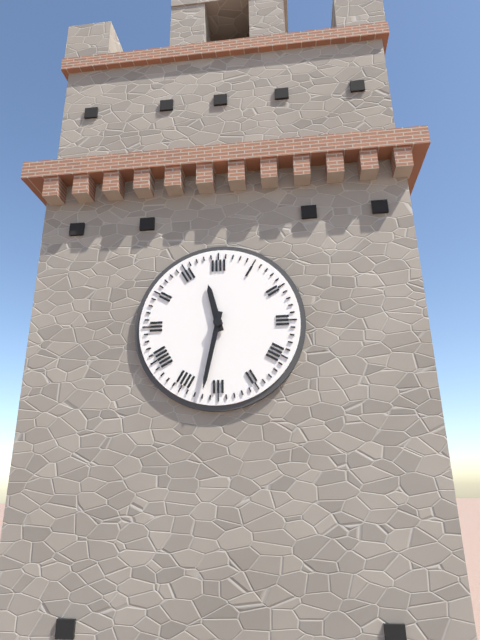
11:32
